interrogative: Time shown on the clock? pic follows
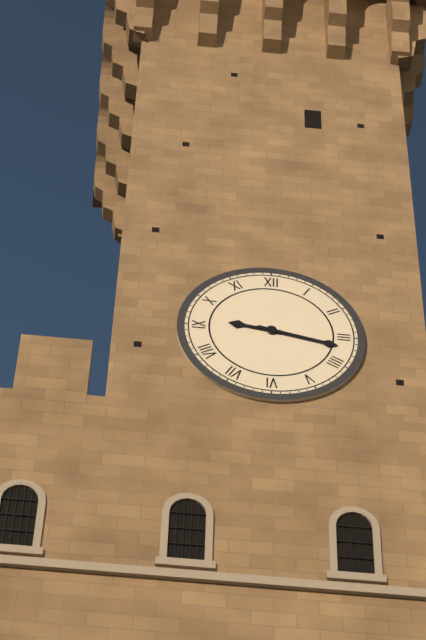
9:17
